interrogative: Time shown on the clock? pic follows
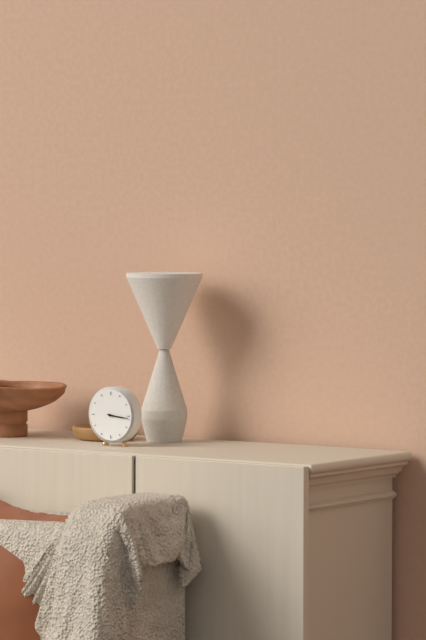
3:16
